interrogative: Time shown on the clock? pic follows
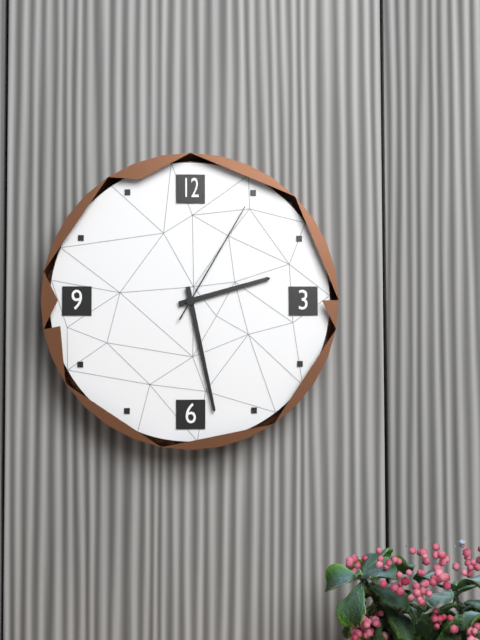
2:28:05
